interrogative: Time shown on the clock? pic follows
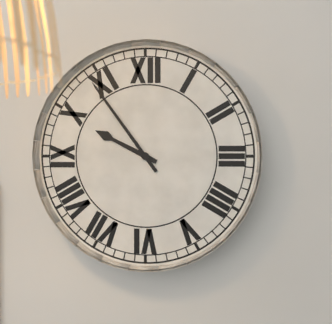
9:54
